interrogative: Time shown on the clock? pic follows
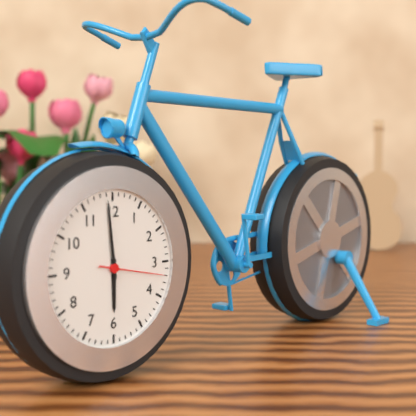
5:59:17
